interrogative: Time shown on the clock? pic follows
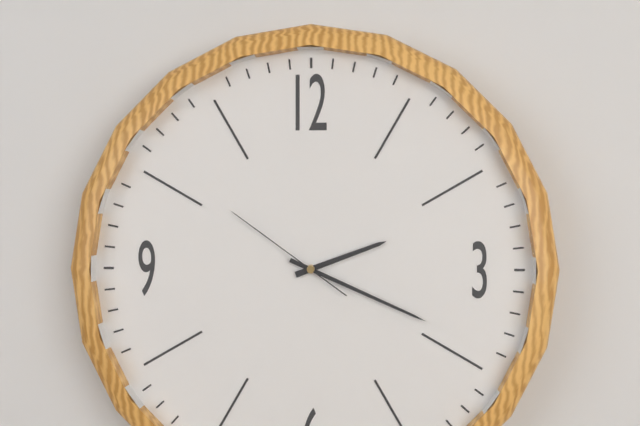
2:19:51
